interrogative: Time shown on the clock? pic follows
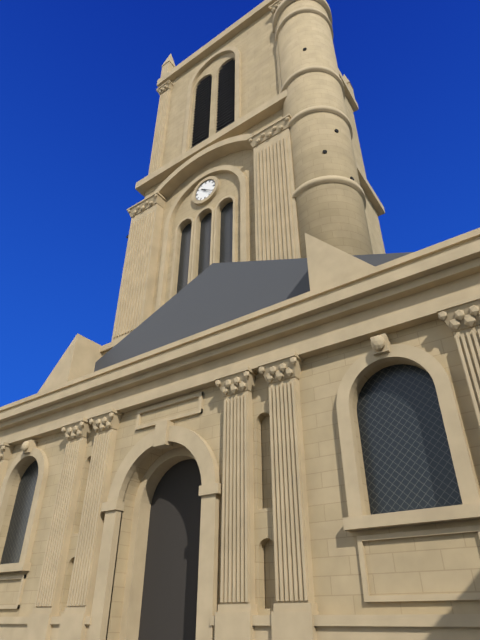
10:21
